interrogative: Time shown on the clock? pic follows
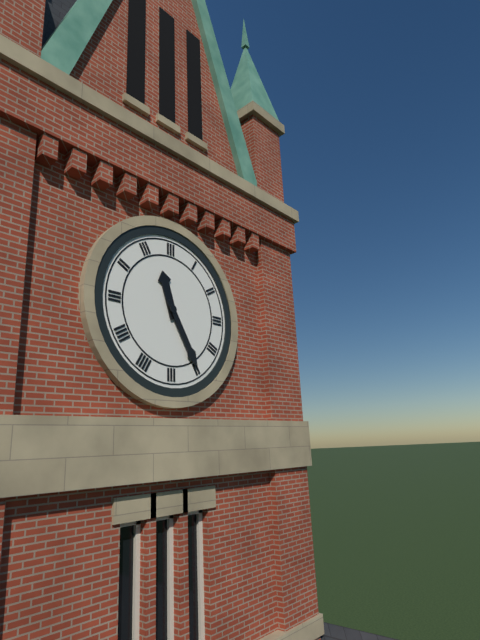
11:25
